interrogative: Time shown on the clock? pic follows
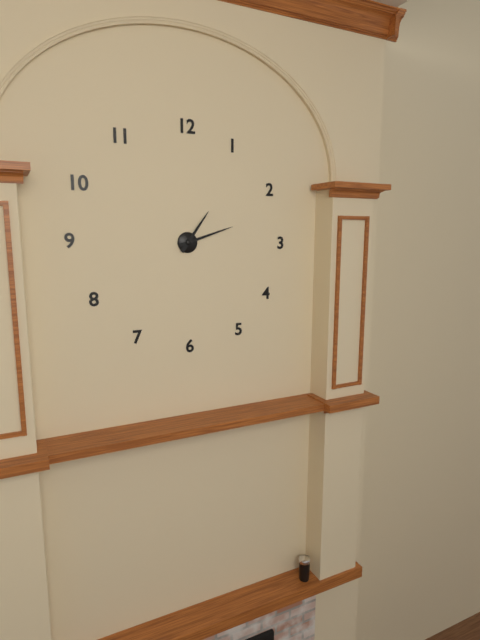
1:12
